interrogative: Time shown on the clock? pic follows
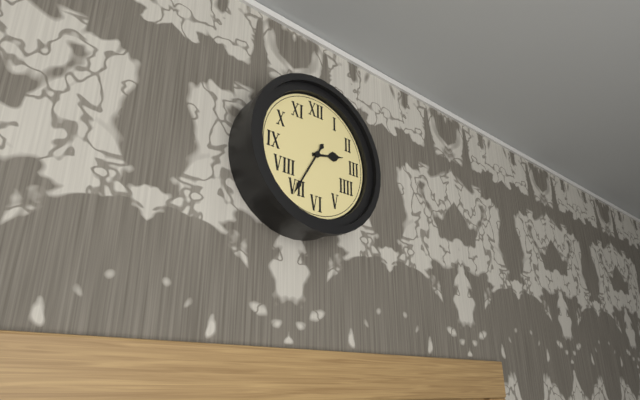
2:35
